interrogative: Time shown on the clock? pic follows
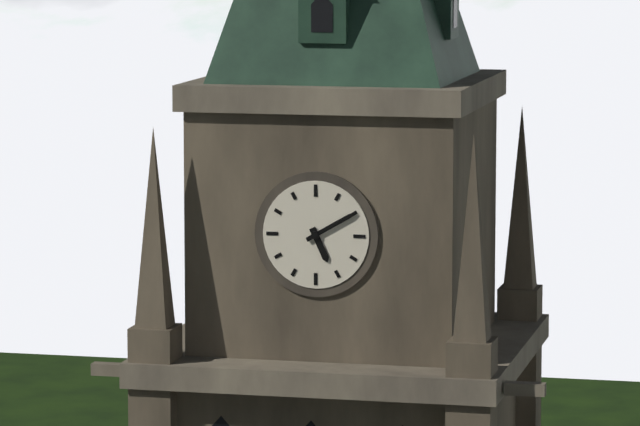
5:10
